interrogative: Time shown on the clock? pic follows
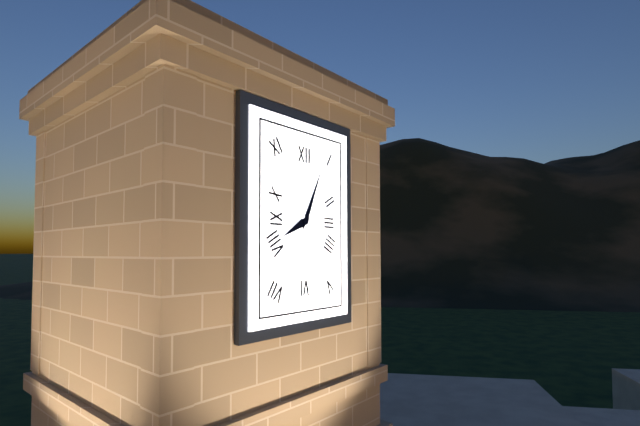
8:04
